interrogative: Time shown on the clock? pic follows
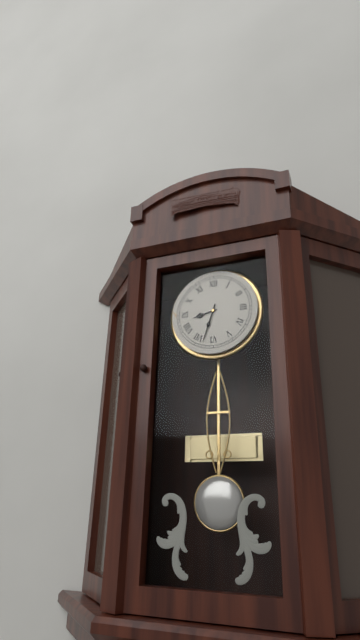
8:33
